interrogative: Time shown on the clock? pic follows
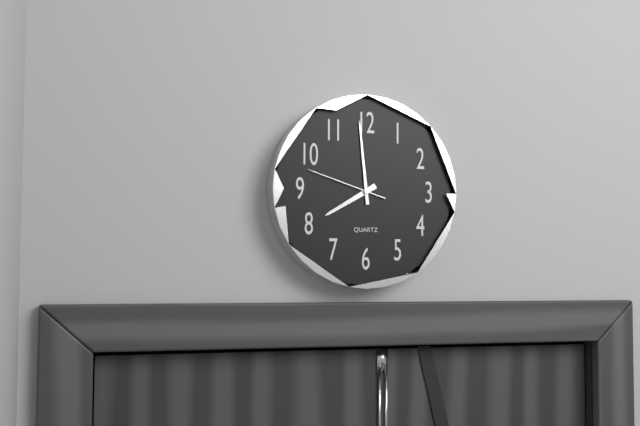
7:59:48
